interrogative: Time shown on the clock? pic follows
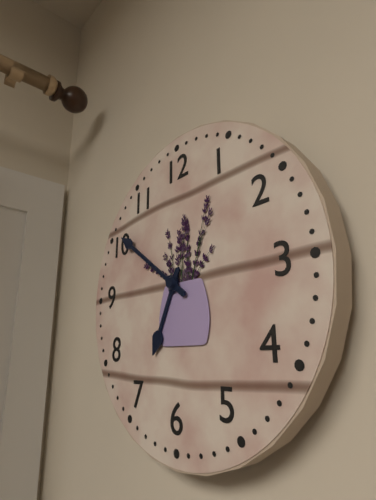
6:51
